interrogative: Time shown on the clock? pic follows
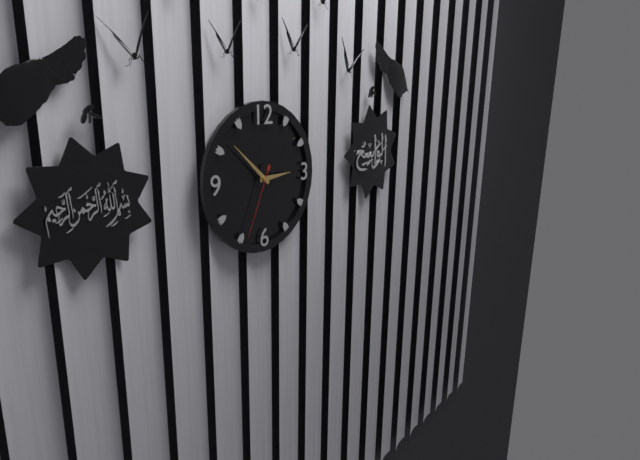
2:52:34
